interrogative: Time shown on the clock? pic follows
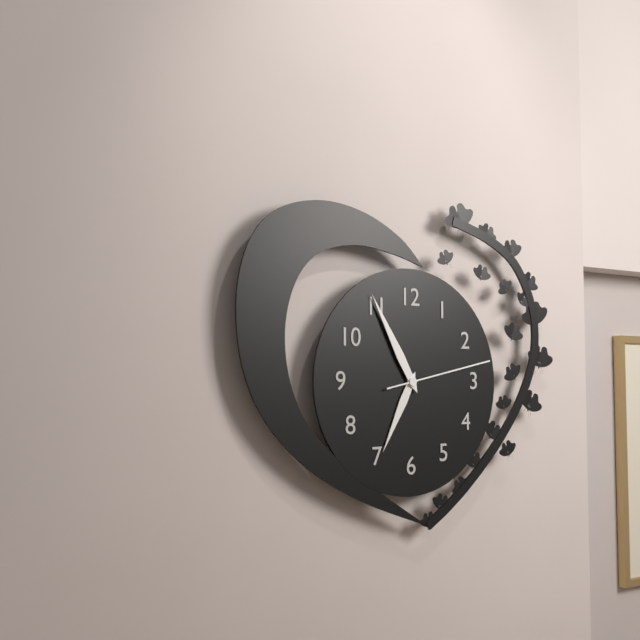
6:55:13
